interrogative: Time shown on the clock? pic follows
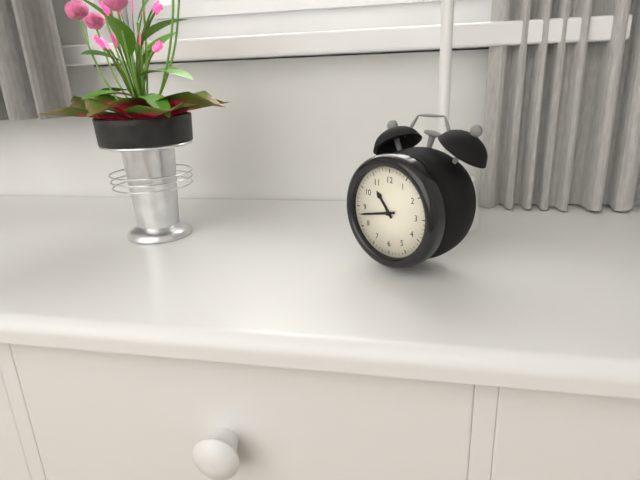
10:43
